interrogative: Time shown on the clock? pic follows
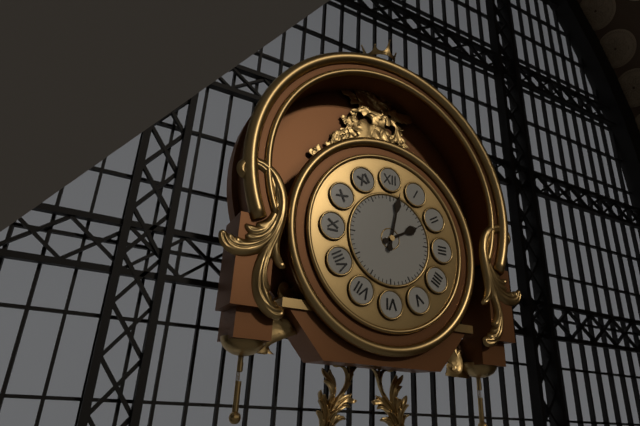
2:02
